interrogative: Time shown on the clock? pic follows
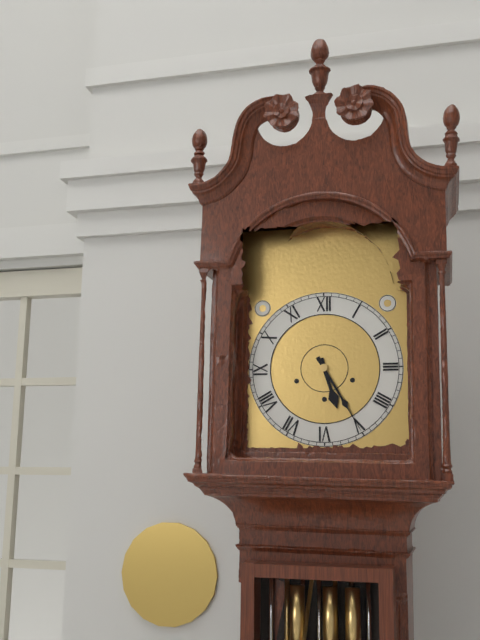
5:25
